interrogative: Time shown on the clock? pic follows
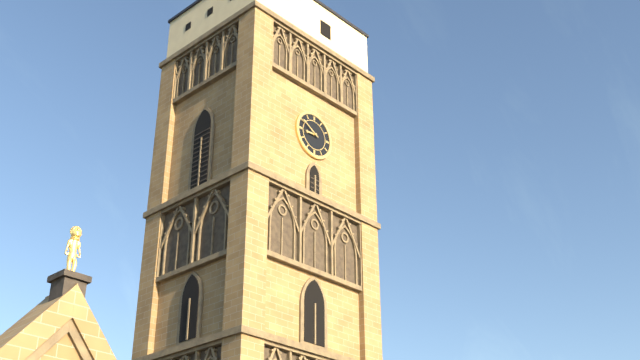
8:50
